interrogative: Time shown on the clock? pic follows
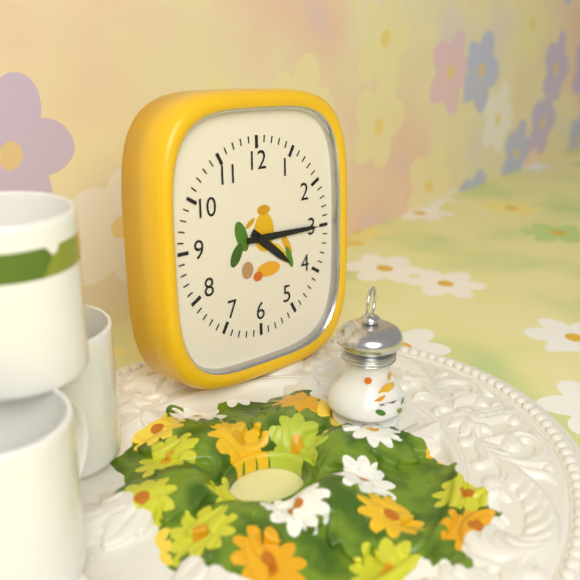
4:15
